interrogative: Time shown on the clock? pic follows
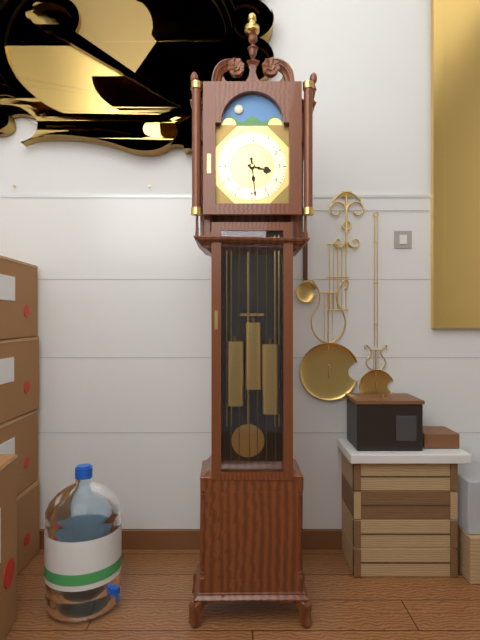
3:29
